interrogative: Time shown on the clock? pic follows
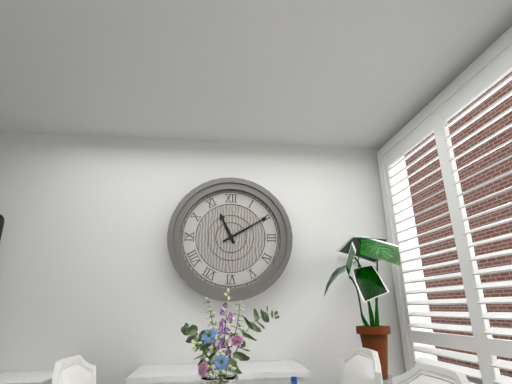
11:10
